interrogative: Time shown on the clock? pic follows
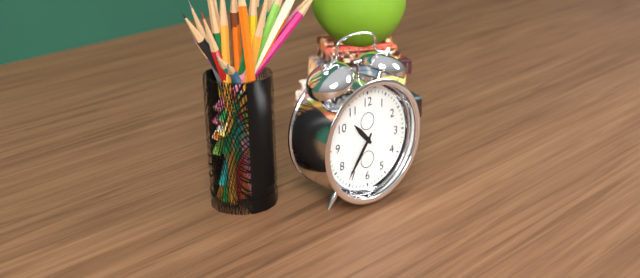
10:36
